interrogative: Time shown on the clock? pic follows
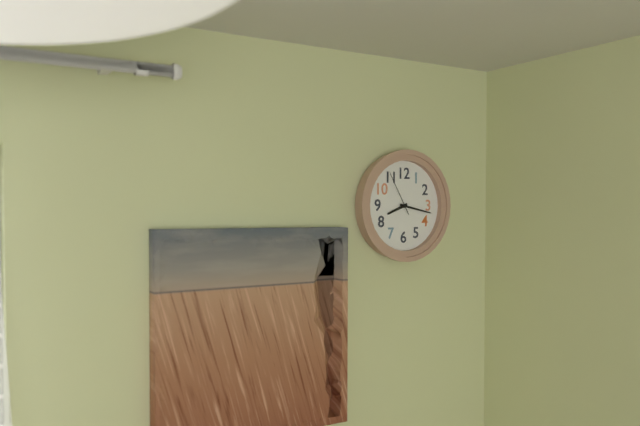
8:17
